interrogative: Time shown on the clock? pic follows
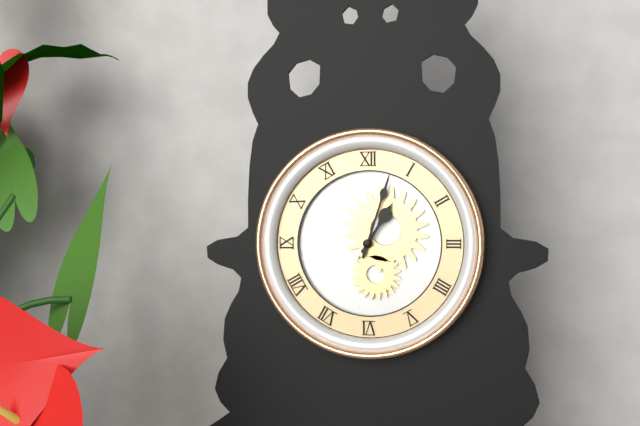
1:03
